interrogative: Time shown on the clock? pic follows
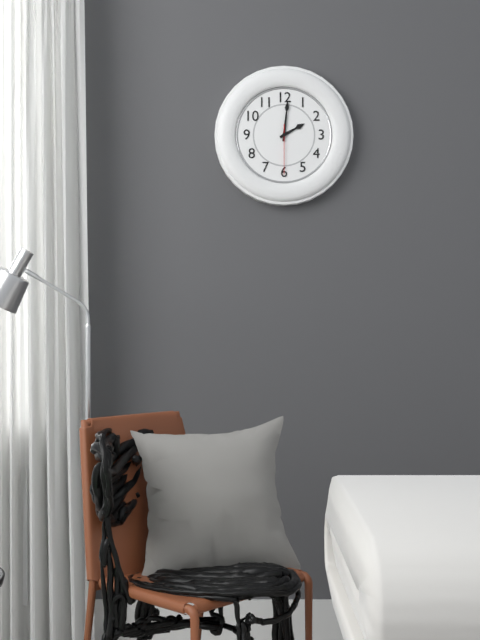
2:01
